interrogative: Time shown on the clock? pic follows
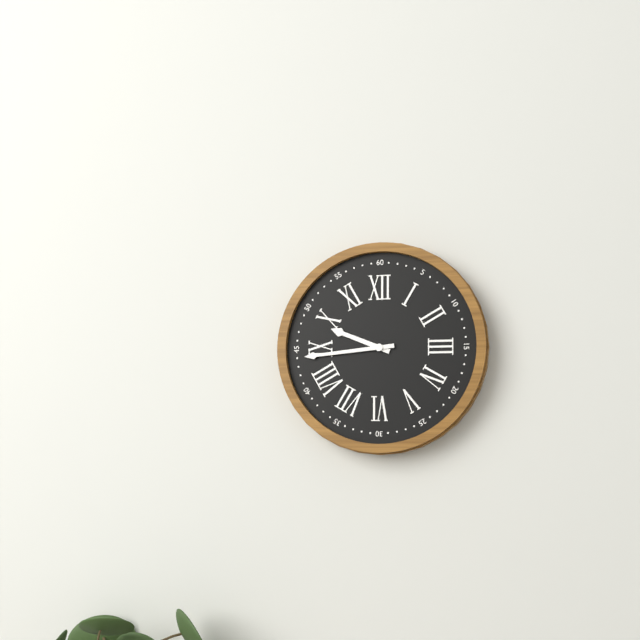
9:44
